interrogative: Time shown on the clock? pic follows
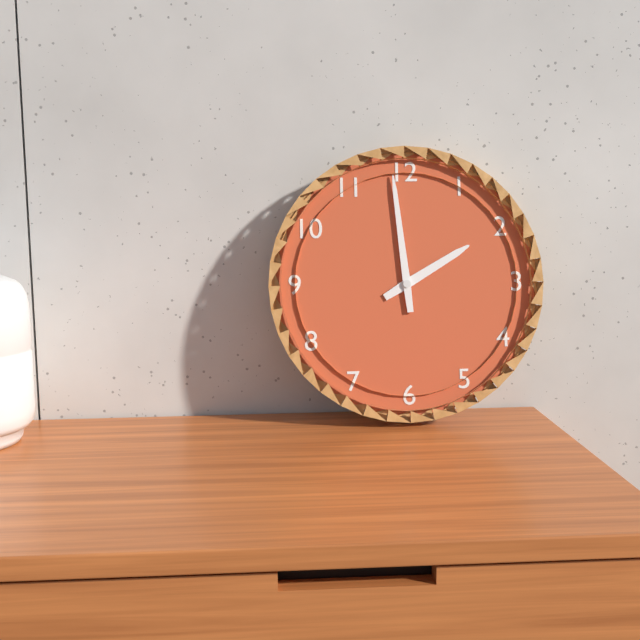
1:59
